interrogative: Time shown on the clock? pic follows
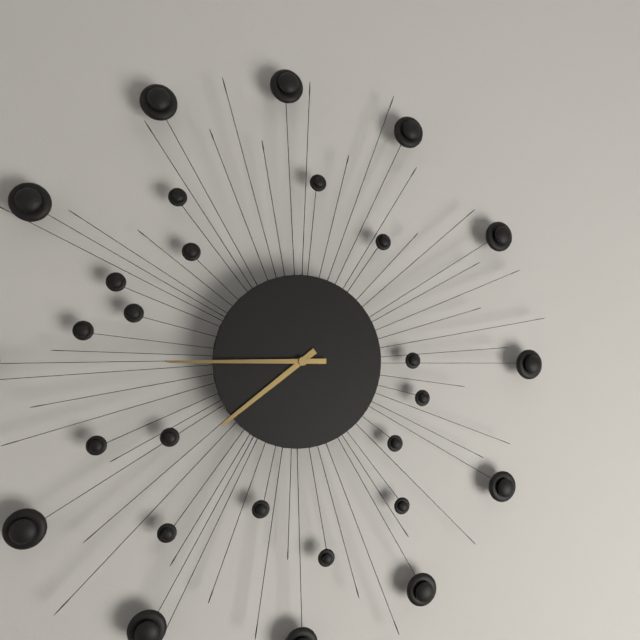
7:45
